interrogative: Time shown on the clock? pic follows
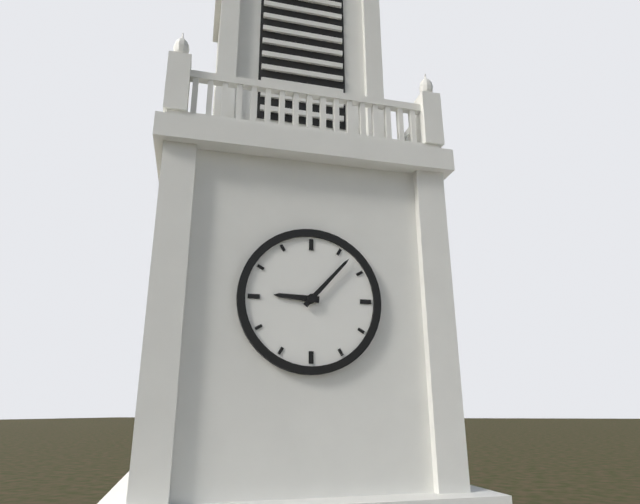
9:07
